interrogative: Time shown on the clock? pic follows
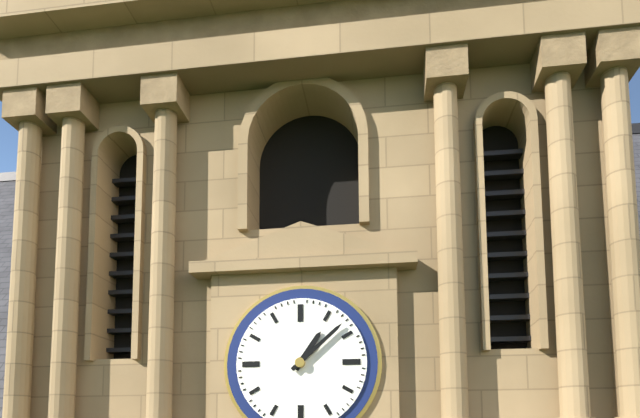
1:08
